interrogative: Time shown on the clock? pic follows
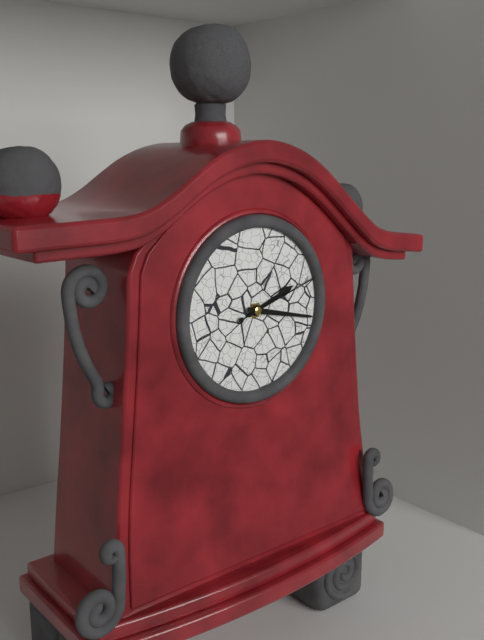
2:17:12
